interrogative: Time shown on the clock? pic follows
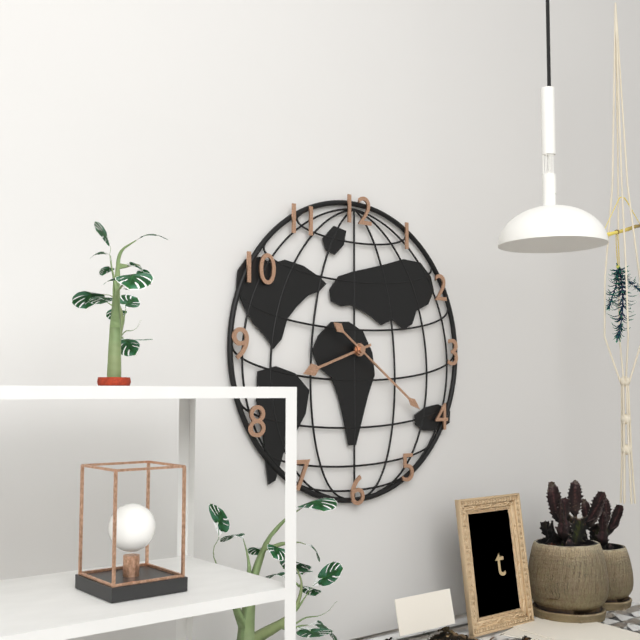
8:21
